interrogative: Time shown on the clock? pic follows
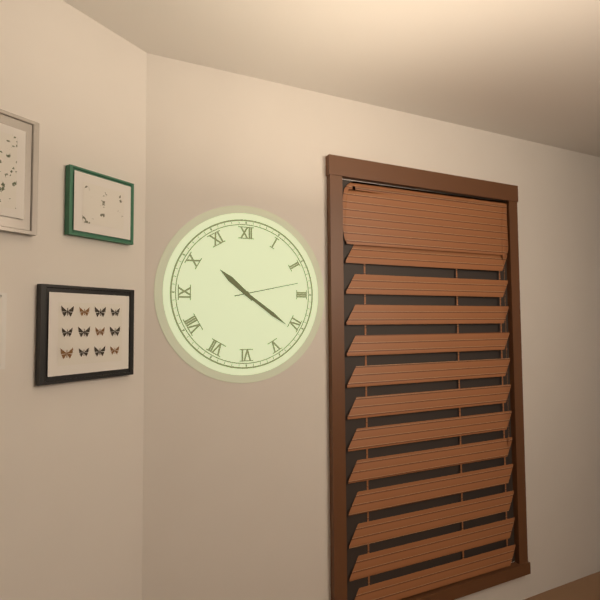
10:21:13
